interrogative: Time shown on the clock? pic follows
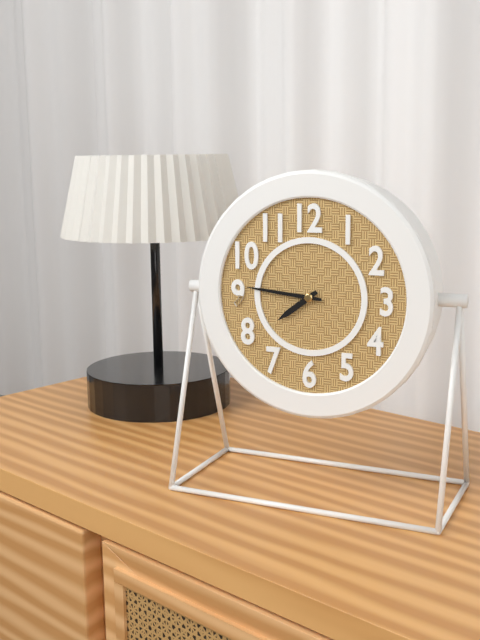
7:46
